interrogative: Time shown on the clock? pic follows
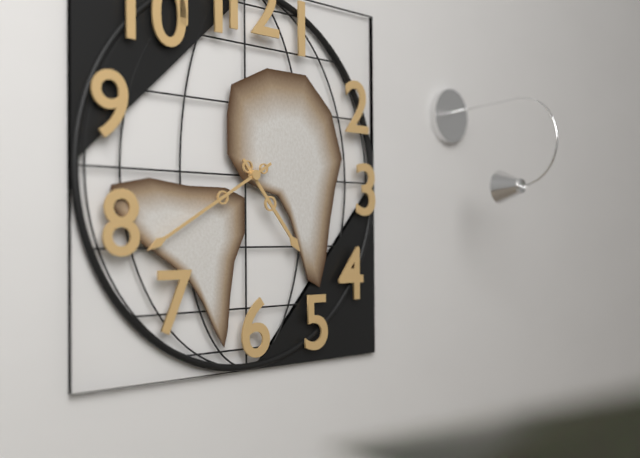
4:40
